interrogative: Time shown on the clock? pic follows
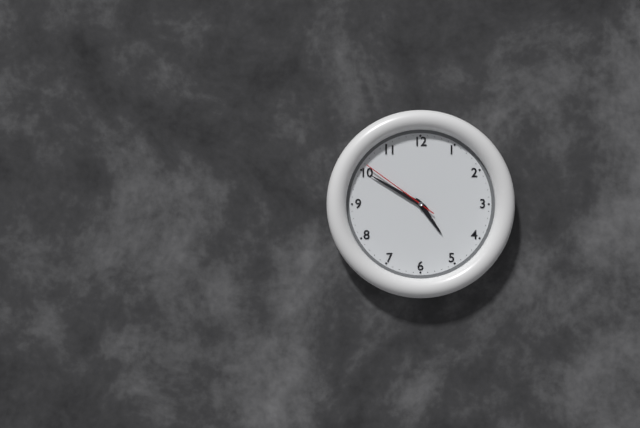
4:50:51
